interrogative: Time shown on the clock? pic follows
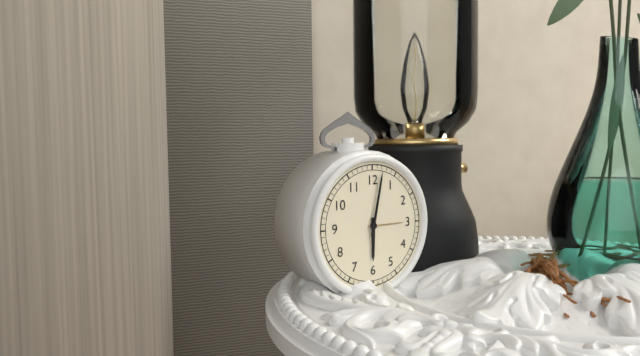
6:02
